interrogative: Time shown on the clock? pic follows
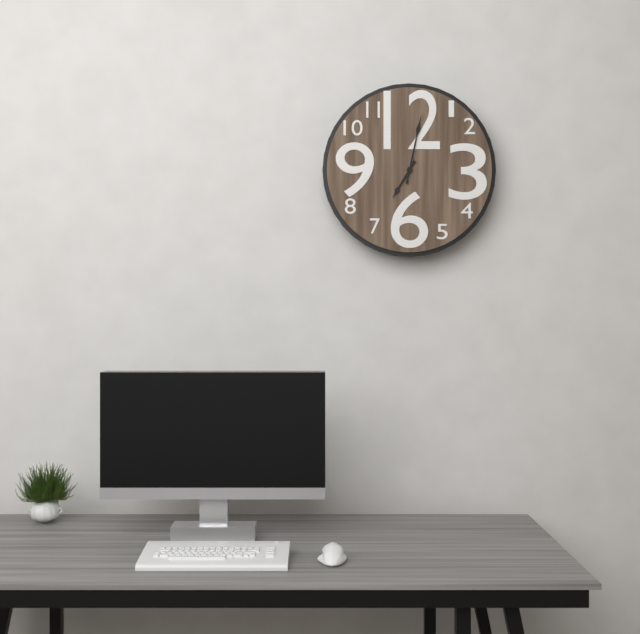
7:02
